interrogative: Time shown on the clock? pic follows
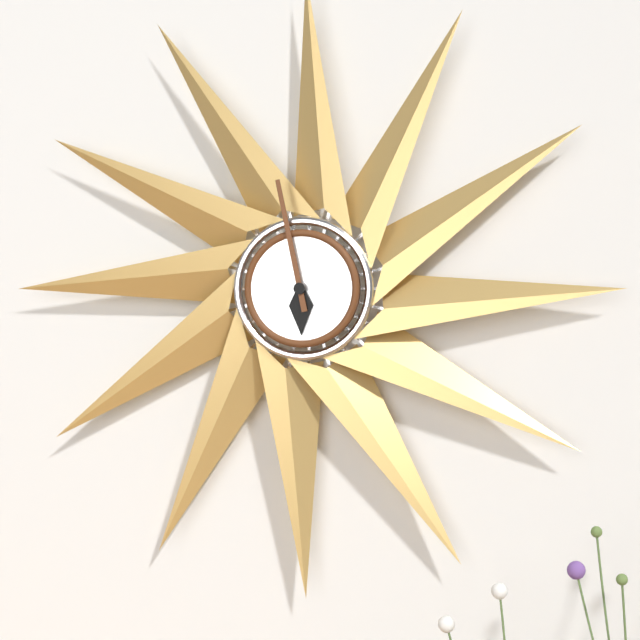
5:58
